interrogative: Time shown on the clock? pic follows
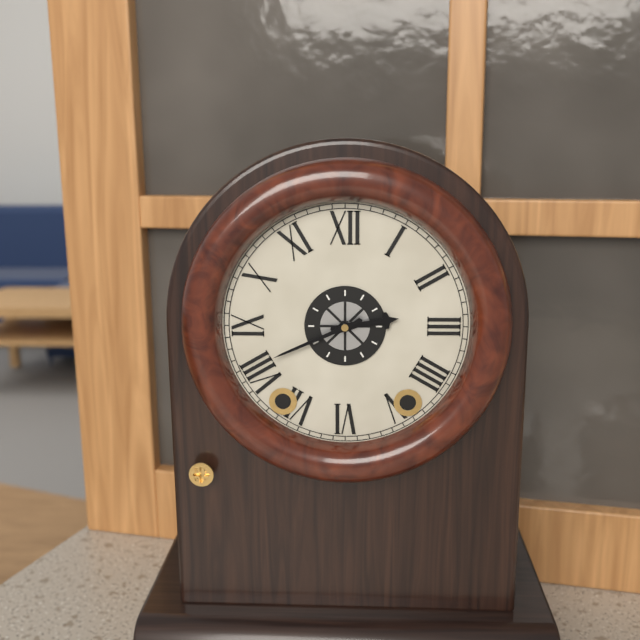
2:41
